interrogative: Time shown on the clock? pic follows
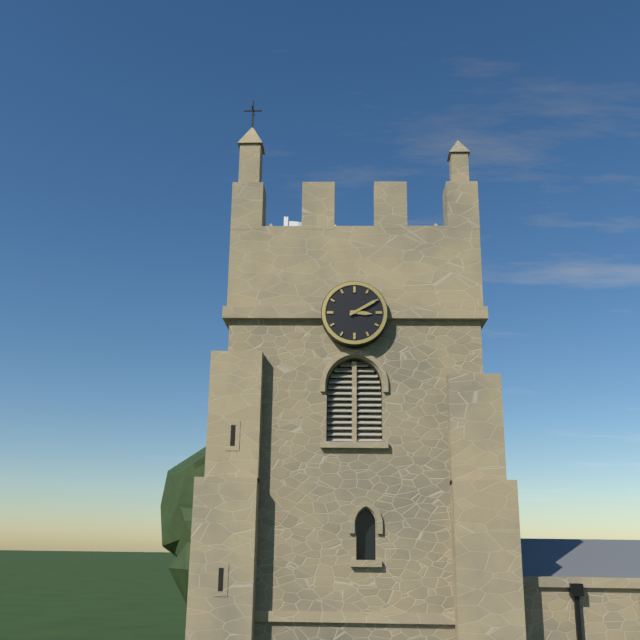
3:10
